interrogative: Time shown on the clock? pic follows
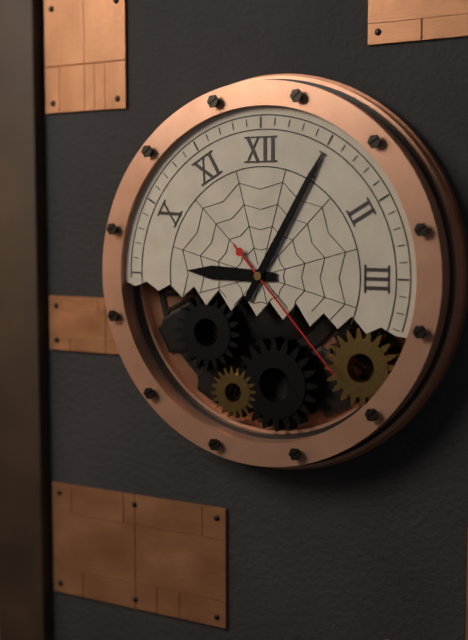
9:05:23
